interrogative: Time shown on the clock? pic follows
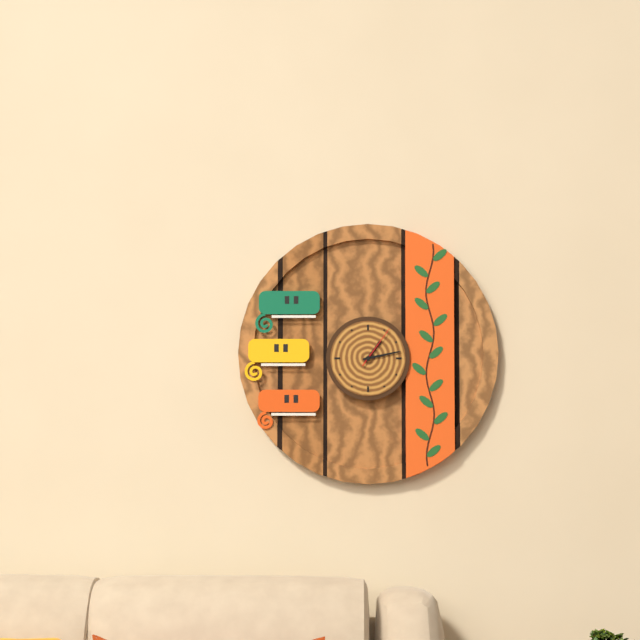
1:13
